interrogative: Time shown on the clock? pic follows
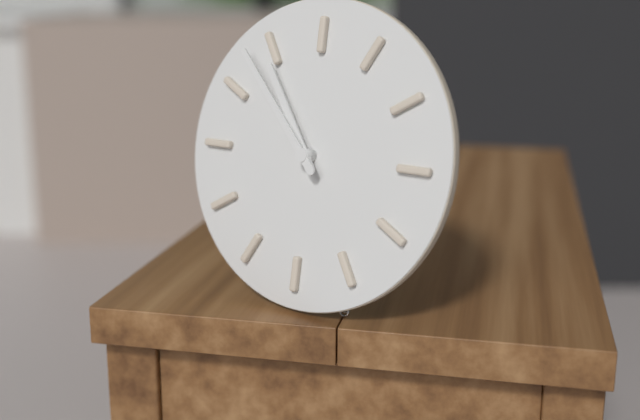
10:53
